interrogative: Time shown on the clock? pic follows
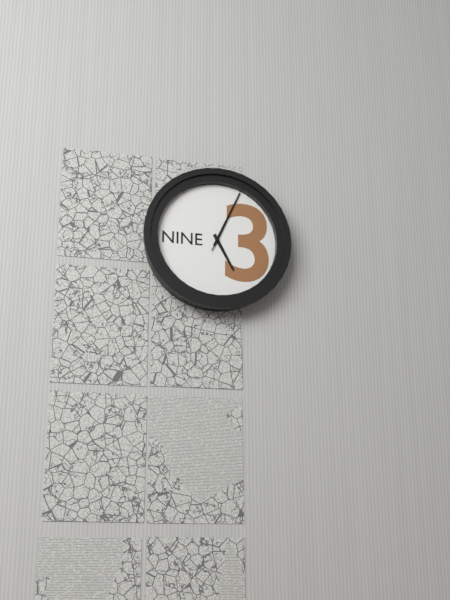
5:04:04
